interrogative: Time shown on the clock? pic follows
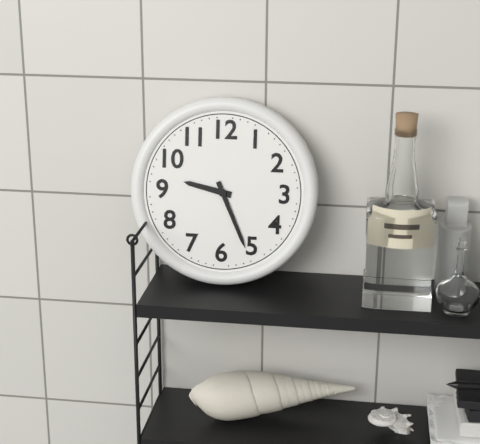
9:26
